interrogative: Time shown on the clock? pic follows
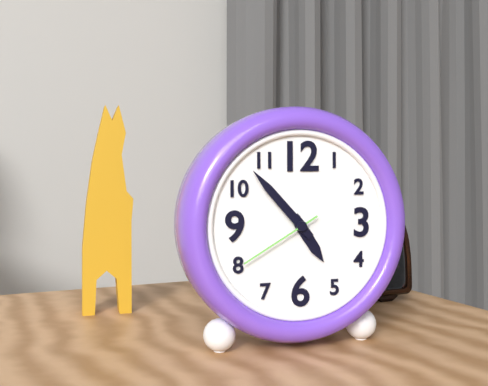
4:53:40
